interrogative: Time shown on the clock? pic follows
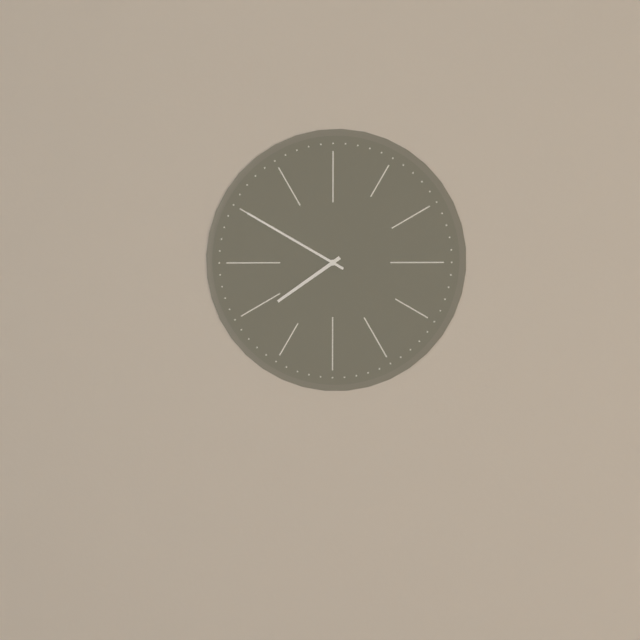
7:50
